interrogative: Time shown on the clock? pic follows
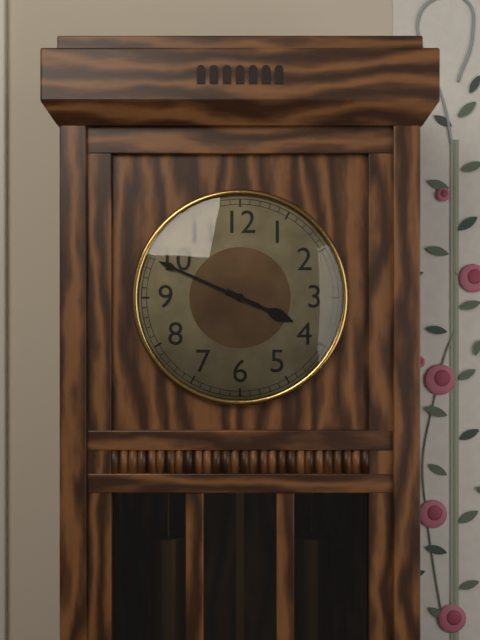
3:49
